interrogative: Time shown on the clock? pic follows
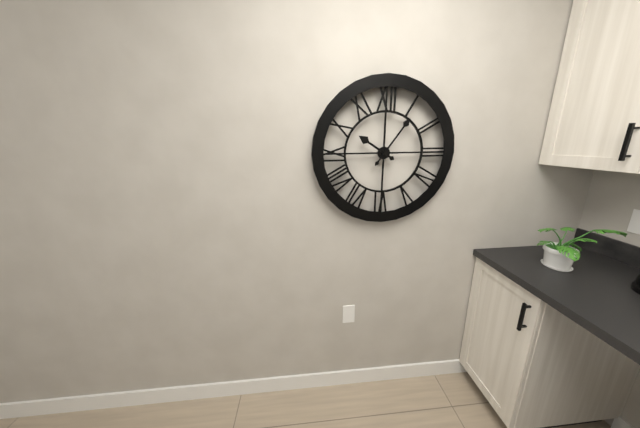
10:06
